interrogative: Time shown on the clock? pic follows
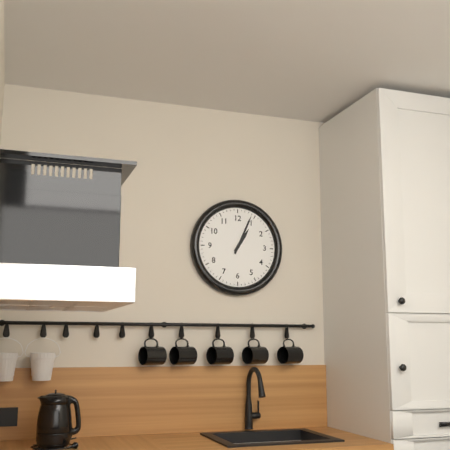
1:04
